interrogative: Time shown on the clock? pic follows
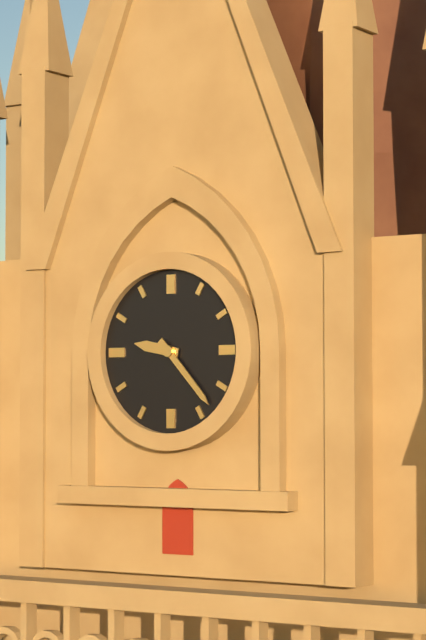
9:23
